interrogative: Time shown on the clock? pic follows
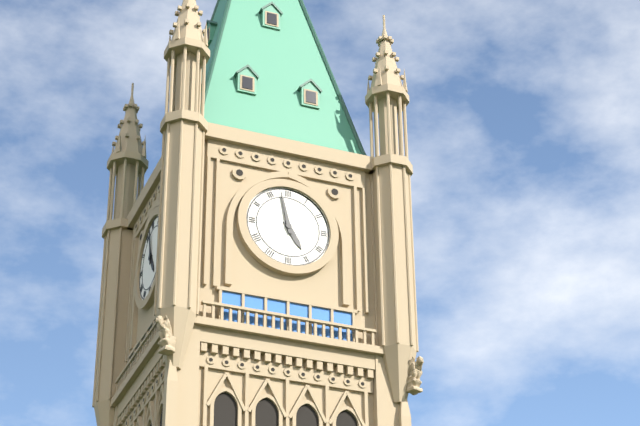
4:58
